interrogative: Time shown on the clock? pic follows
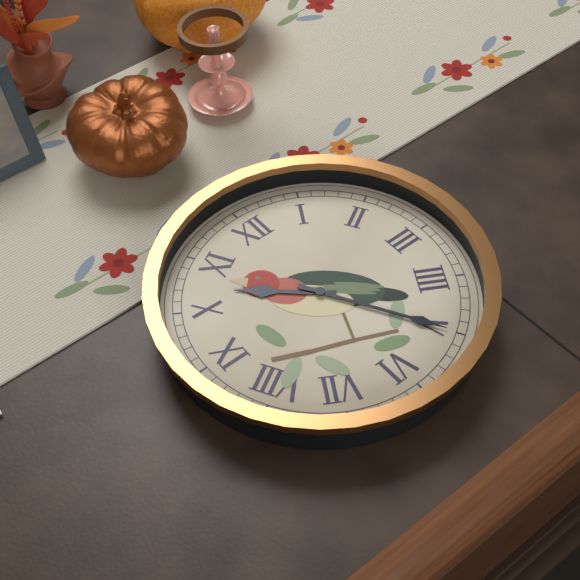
10:25
